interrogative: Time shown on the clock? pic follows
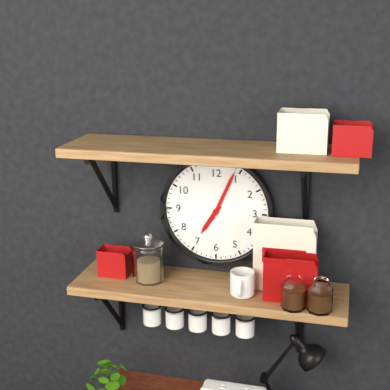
7:04
